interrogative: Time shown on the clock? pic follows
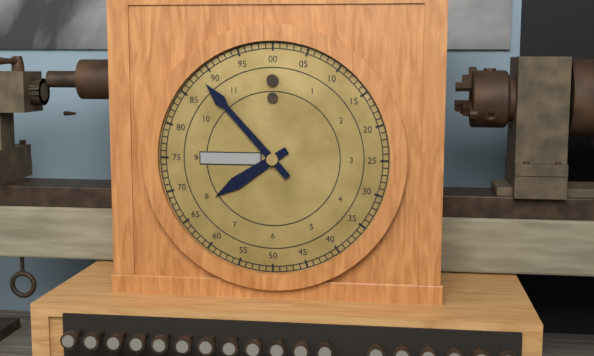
7:53
